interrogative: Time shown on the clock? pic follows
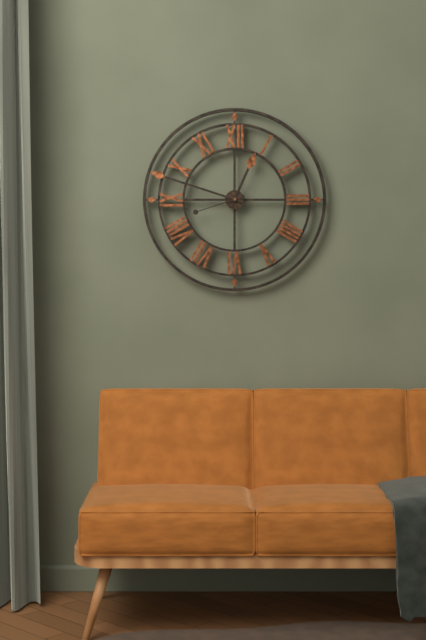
12:48:42
